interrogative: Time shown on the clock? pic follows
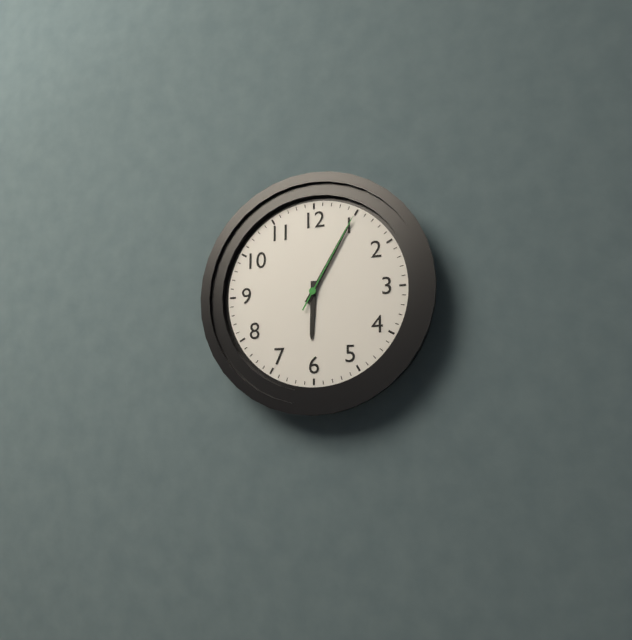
6:05:05
